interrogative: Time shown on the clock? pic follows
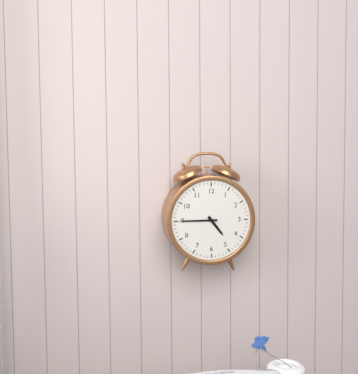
4:45
